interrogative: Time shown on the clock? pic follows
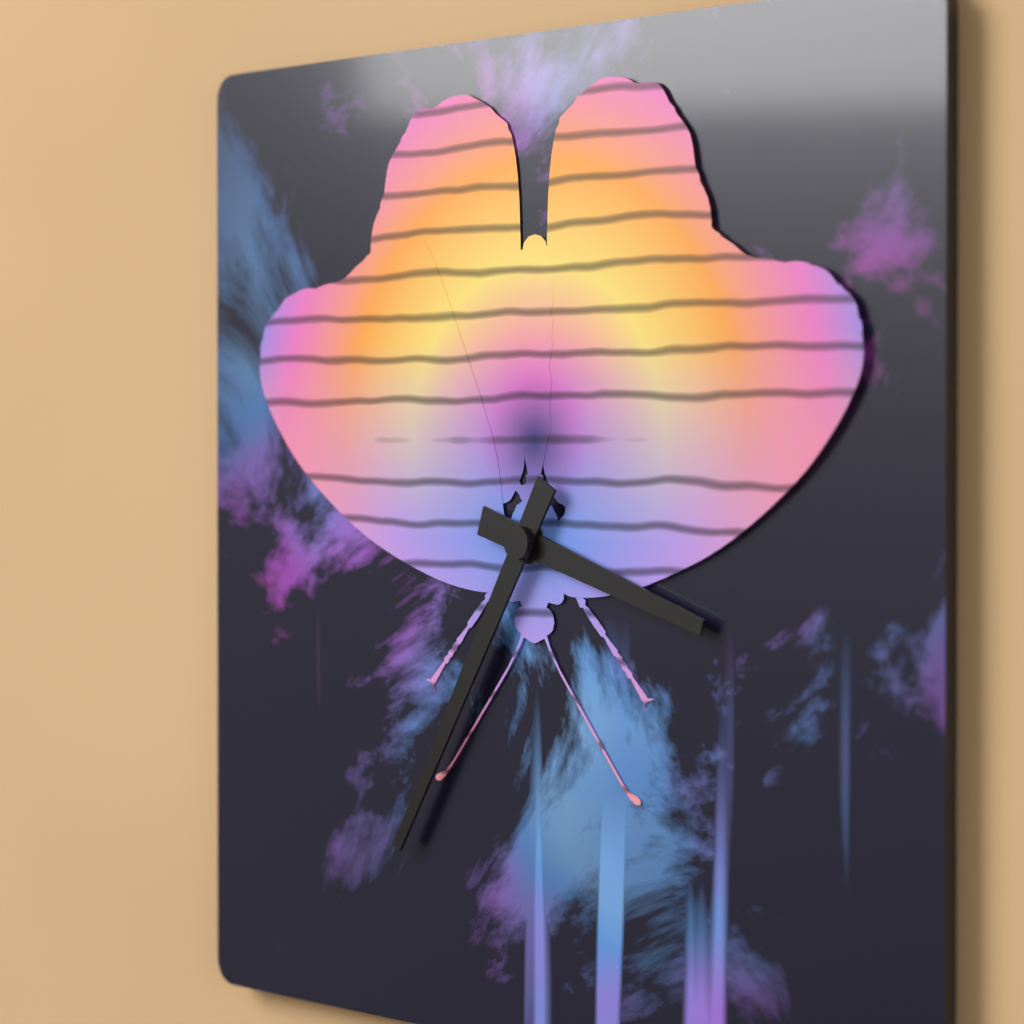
3:35
